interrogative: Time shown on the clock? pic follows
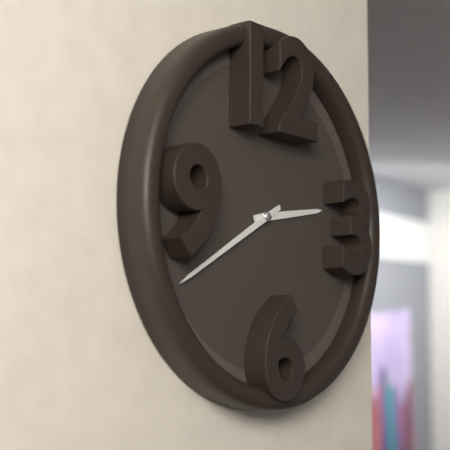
2:40
